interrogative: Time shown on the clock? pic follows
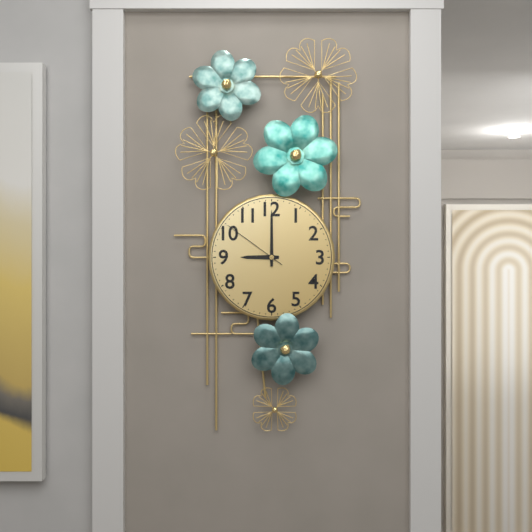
9:00:51
